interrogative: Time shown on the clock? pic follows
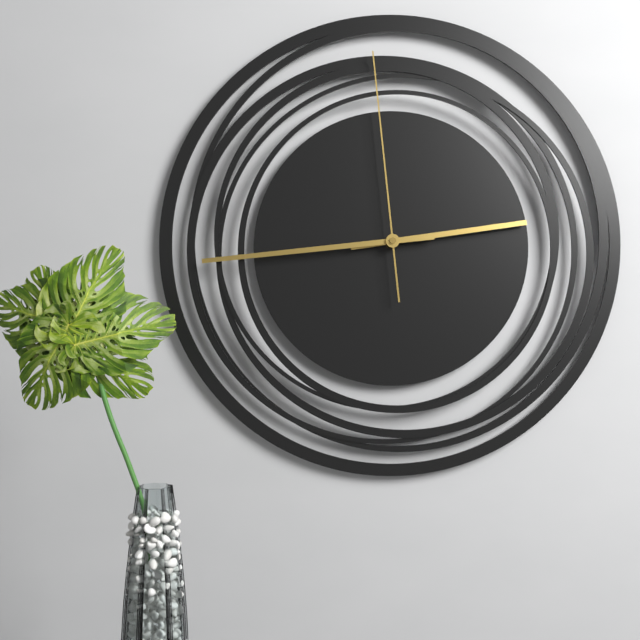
2:44:59
